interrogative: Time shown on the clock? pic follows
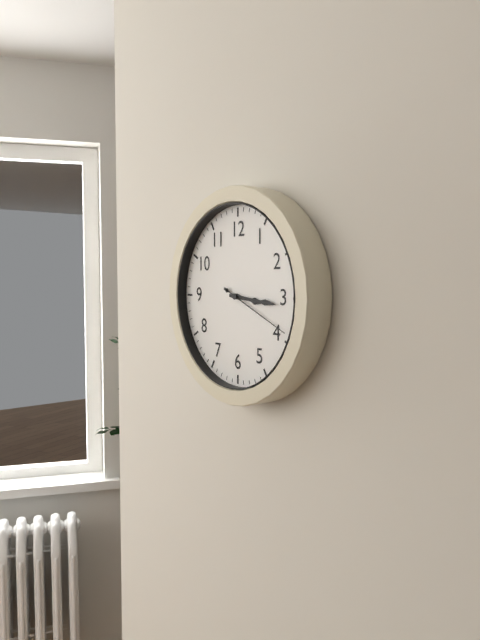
3:16:19
